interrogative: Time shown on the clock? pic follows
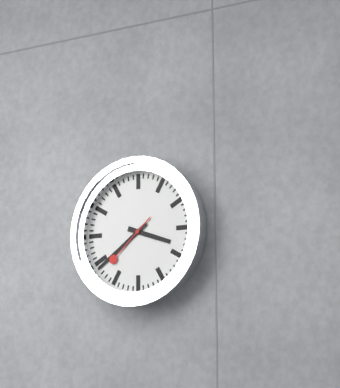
3:39:38
